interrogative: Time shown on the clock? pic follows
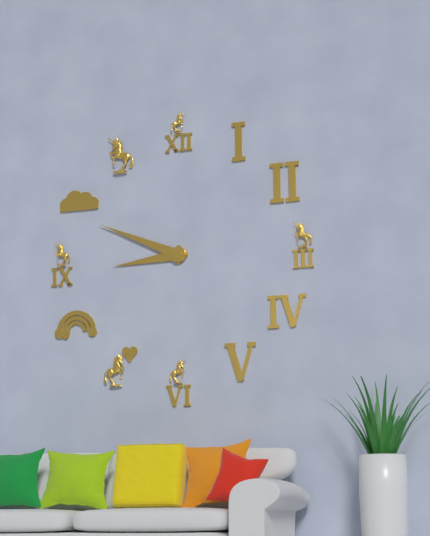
8:49
